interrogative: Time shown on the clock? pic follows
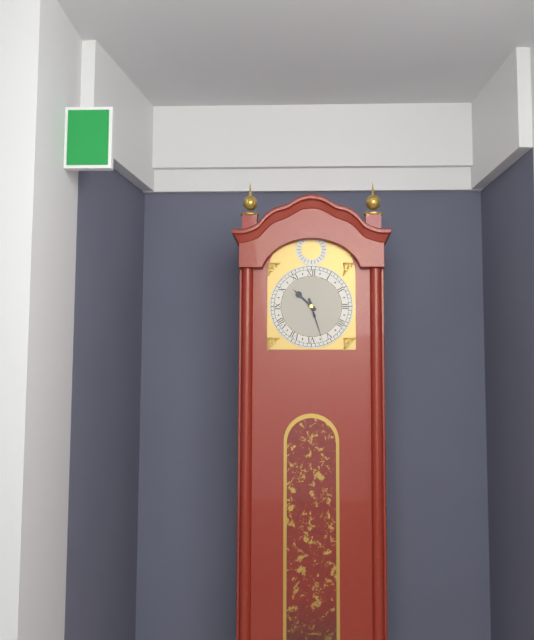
10:27
